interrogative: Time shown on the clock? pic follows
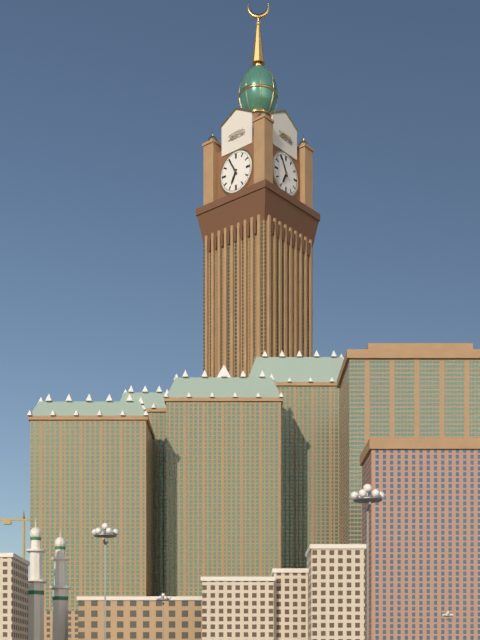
6:55
